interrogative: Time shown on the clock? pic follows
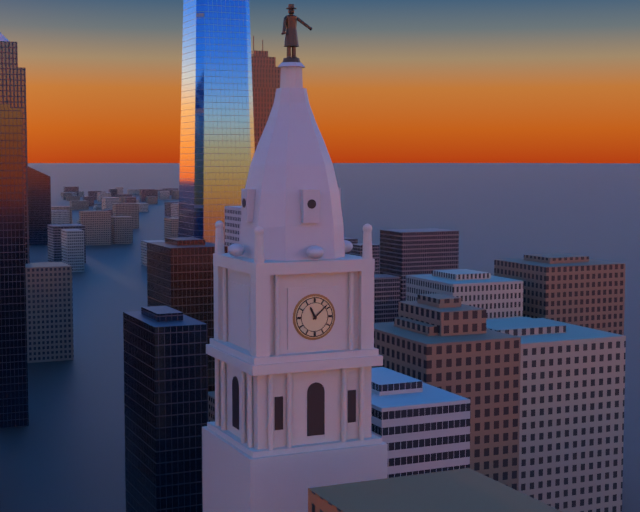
11:08
